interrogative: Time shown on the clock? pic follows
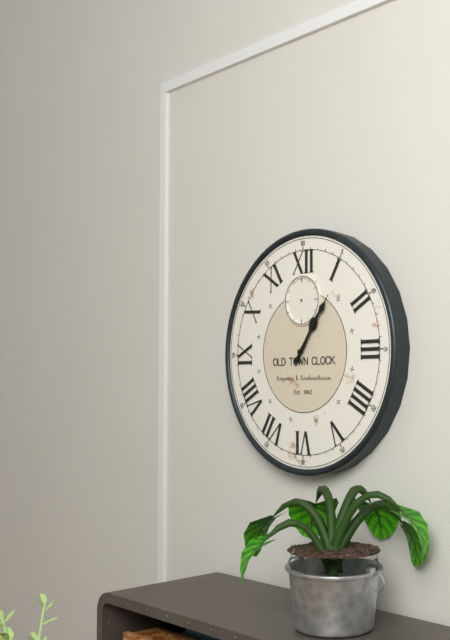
1:06
